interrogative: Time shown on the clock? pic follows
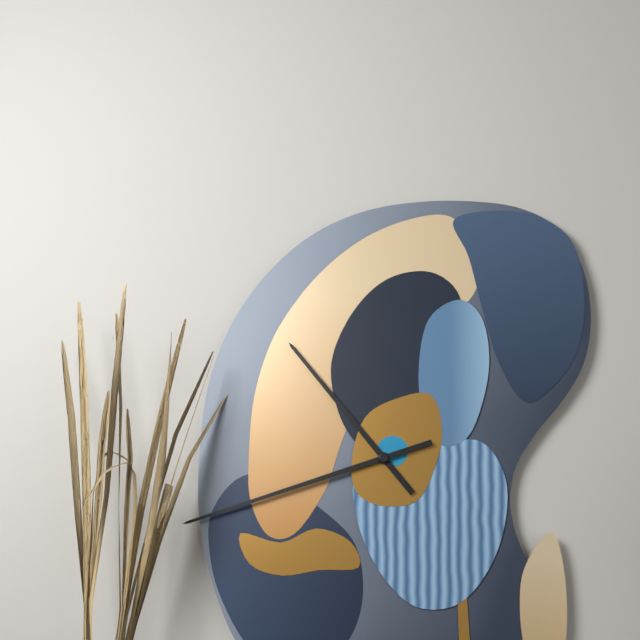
10:42
